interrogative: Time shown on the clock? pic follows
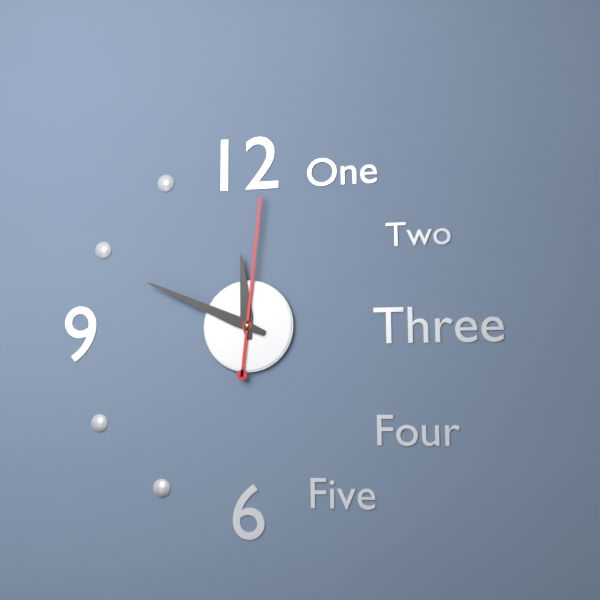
11:49:01
